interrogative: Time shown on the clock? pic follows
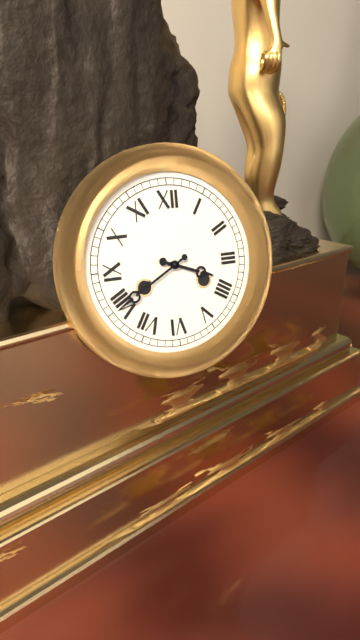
3:40
